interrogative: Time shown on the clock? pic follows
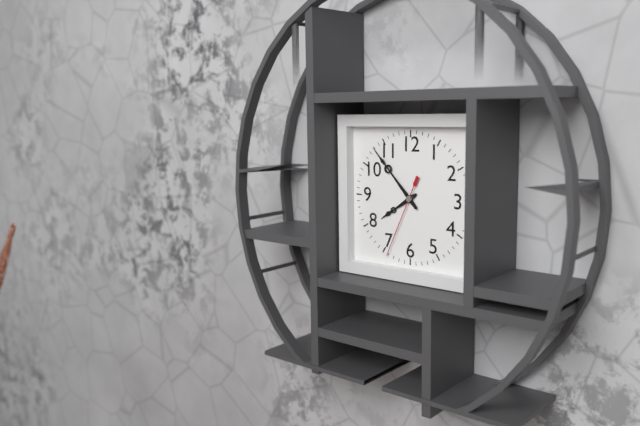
7:53:34
